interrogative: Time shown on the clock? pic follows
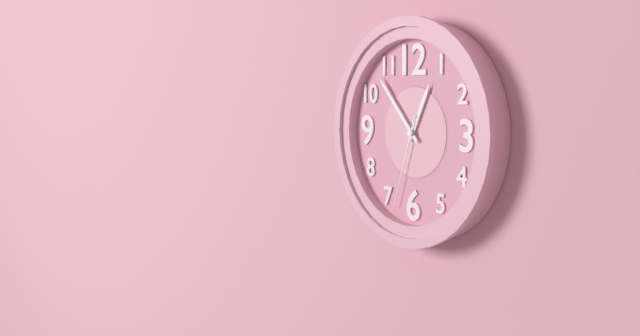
12:53:33
